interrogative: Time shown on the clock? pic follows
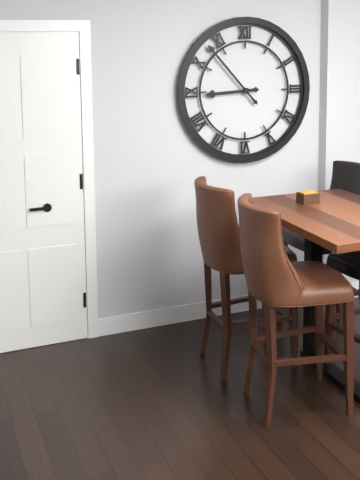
8:53
